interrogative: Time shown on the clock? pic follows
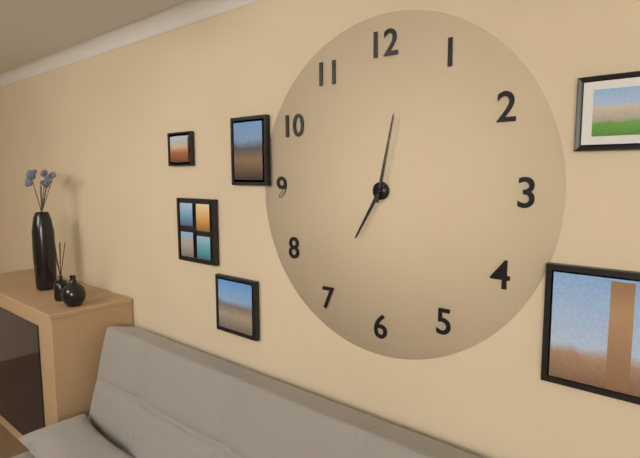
7:02
